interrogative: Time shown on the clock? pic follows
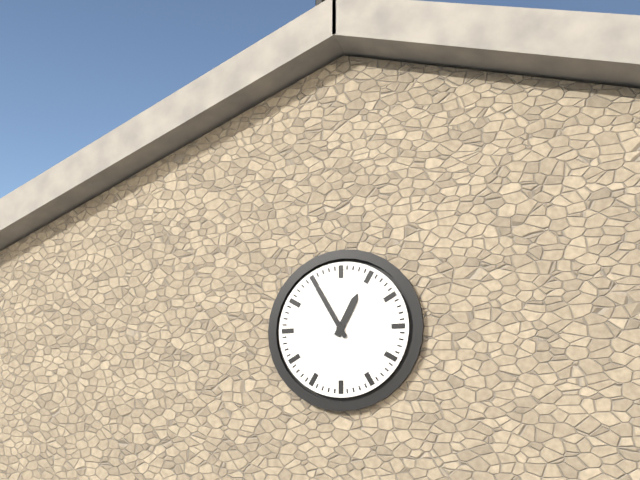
12:55
